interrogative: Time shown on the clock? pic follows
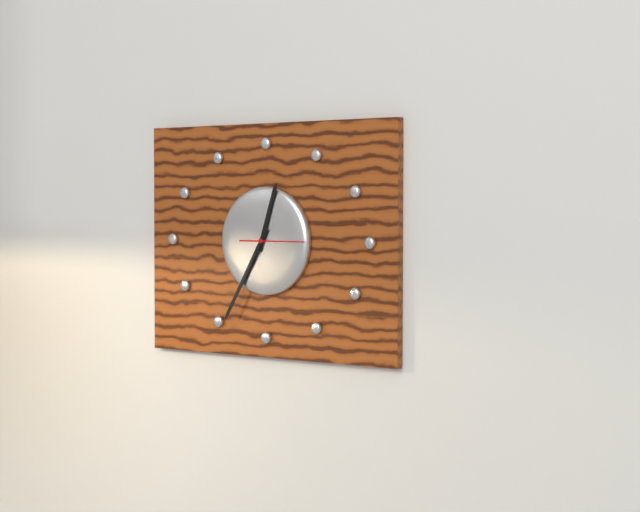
12:35:15
